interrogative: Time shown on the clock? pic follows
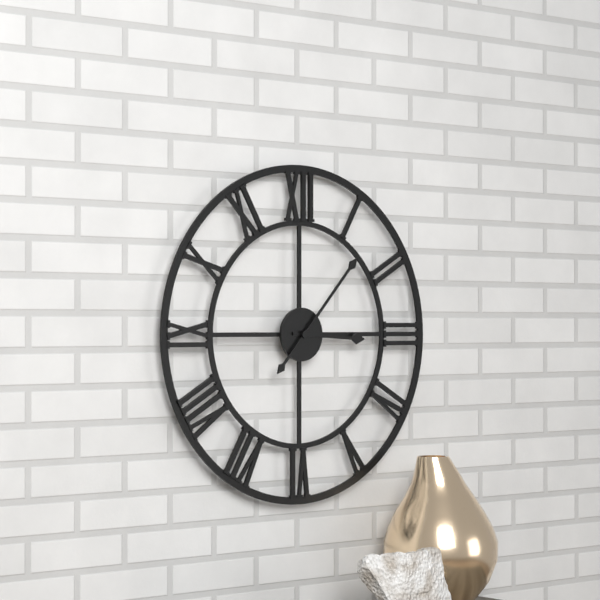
3:07
